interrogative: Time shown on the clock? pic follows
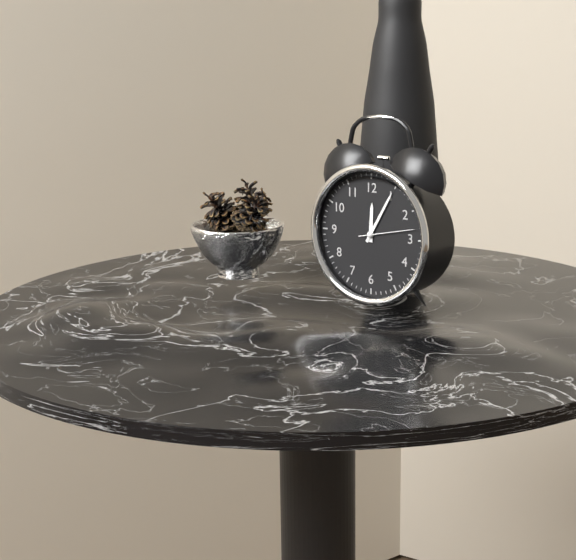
12:05:13
